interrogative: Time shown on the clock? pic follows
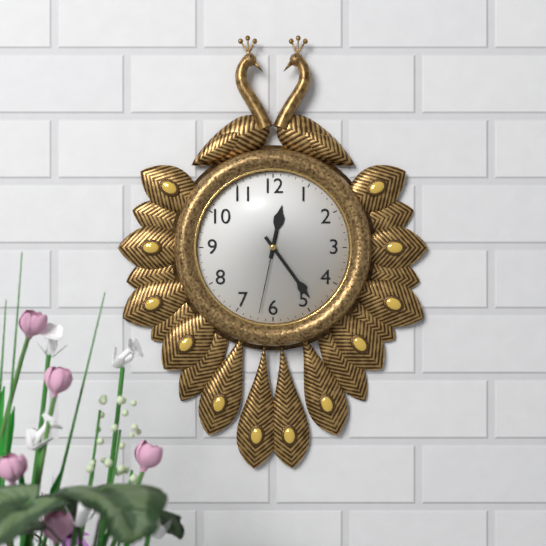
12:24:32
